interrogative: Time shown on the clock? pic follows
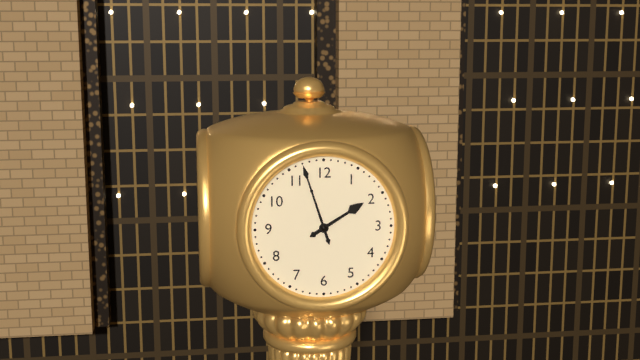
1:57
